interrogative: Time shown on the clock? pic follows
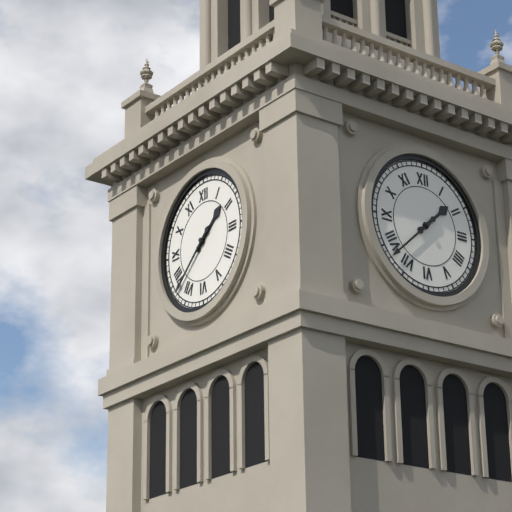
1:38
